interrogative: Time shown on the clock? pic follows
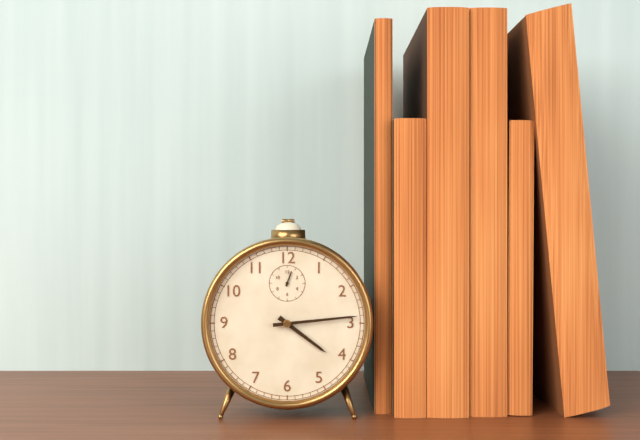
4:14
